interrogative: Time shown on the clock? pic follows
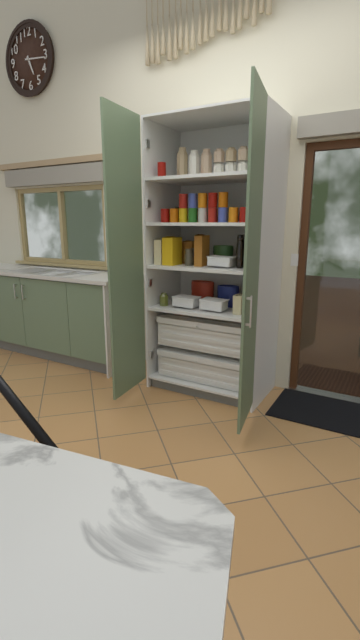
5:16
